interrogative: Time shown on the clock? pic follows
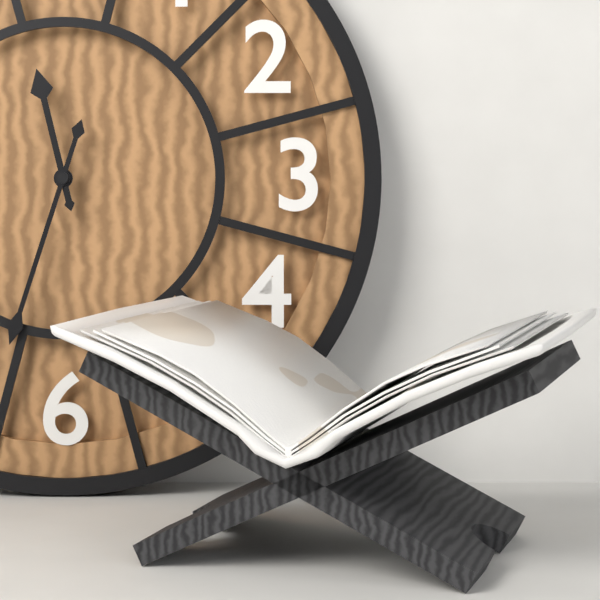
11:33
